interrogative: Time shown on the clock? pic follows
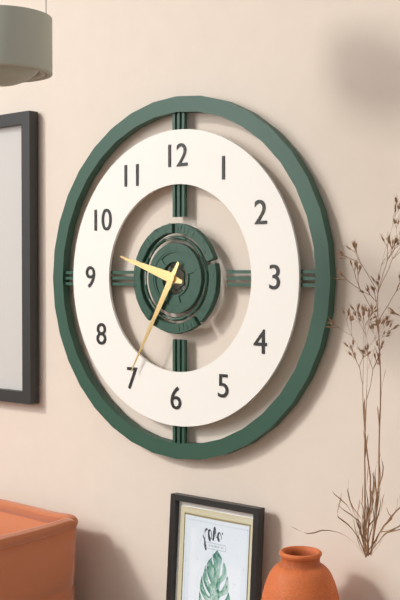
9:35
